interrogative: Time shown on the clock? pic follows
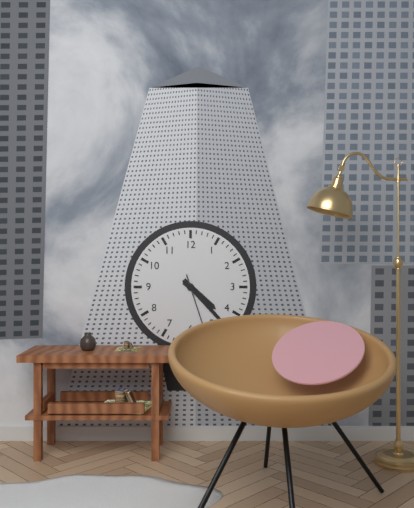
4:23:27
